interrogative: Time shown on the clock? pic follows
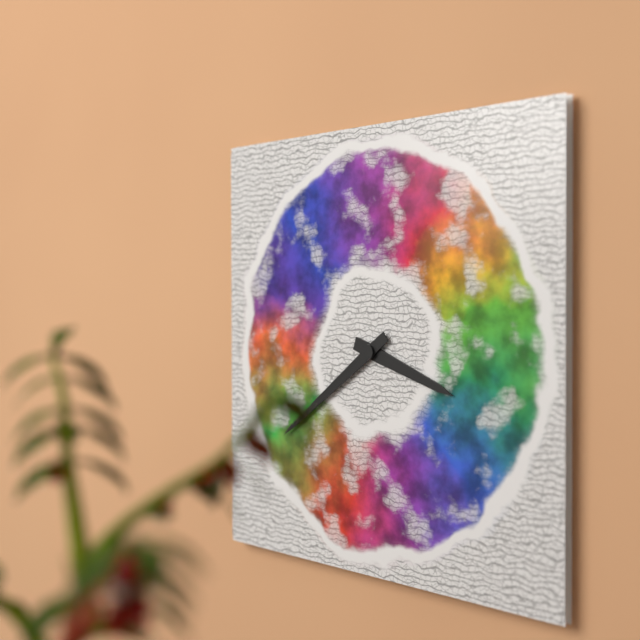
3:39
